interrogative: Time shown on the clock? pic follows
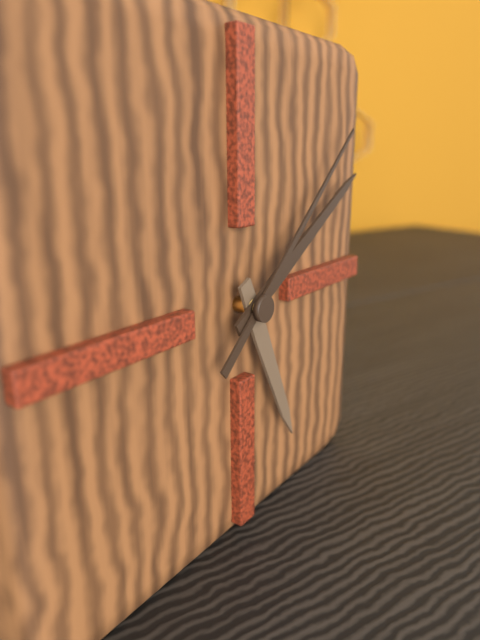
5:10:08
